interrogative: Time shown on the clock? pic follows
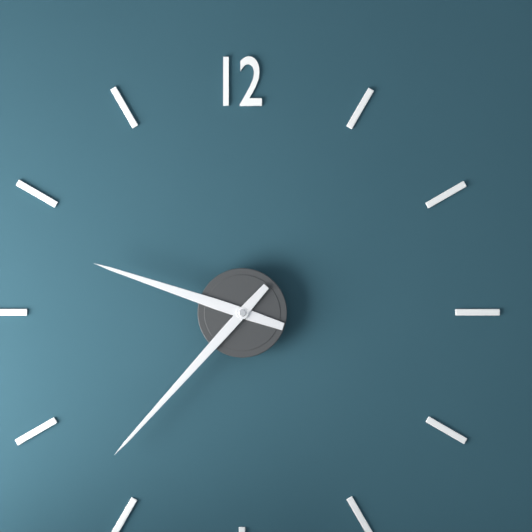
9:37
